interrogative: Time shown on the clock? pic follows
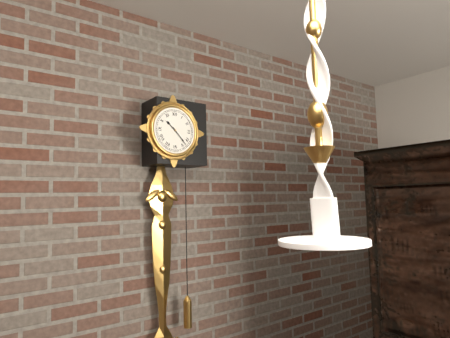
10:23
